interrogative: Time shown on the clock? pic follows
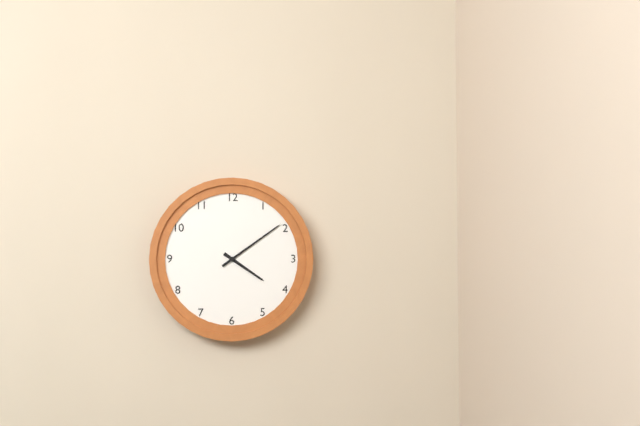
4:09
